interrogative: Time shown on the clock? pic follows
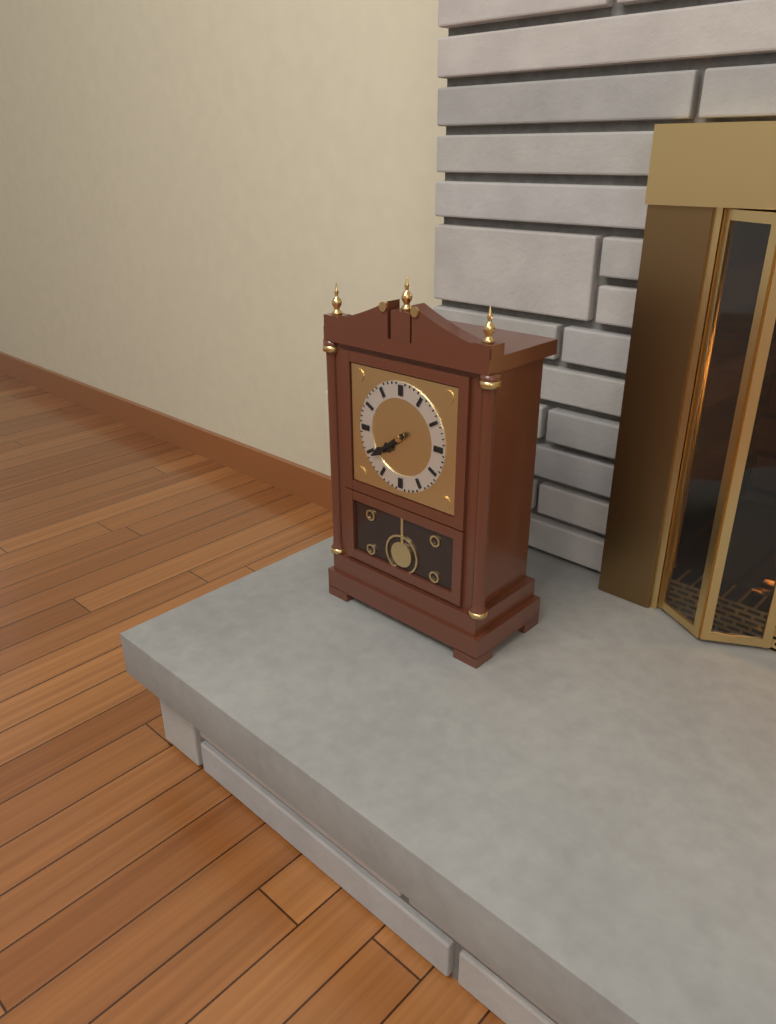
7:39
